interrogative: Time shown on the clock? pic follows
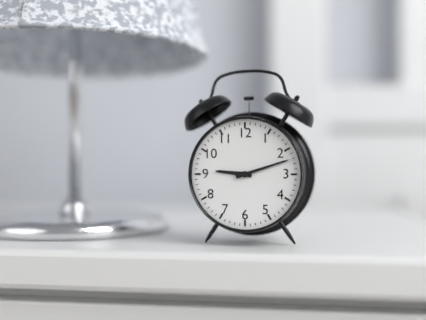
9:12
